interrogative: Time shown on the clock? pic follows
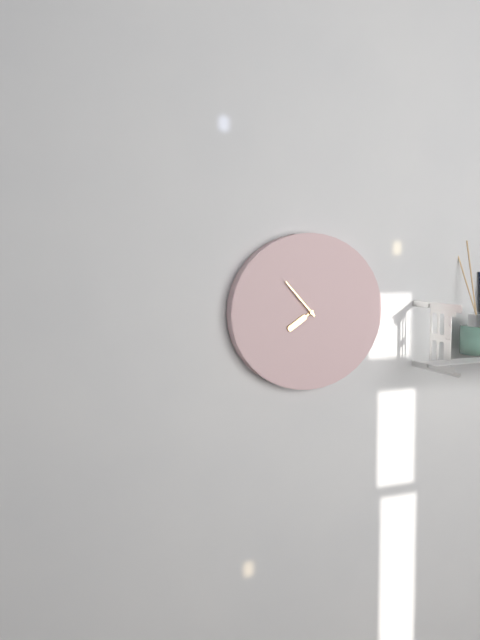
7:53
